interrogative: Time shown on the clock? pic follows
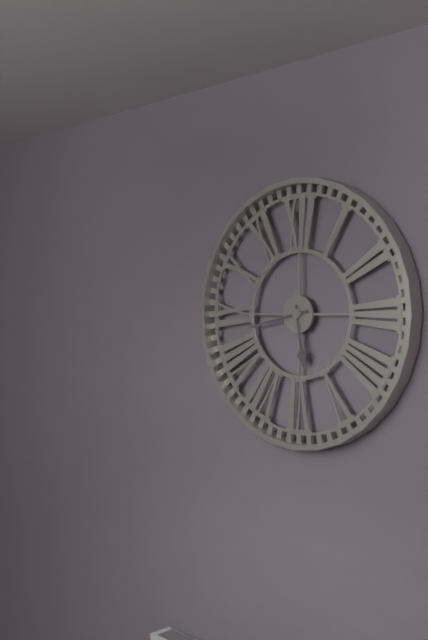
5:43
